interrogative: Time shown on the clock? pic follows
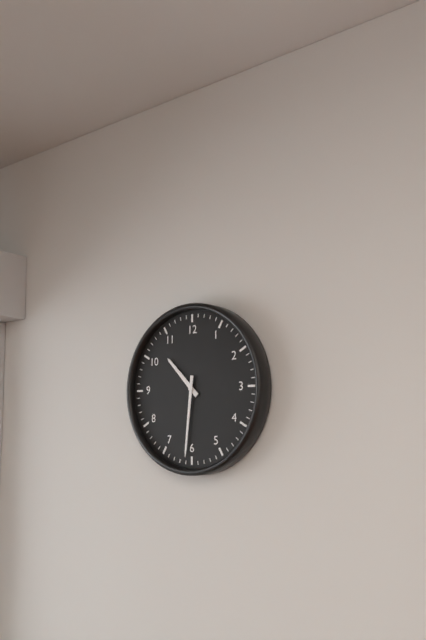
10:31
